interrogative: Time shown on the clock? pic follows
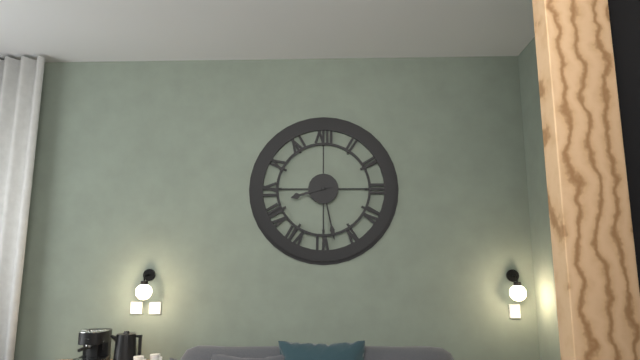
8:28
